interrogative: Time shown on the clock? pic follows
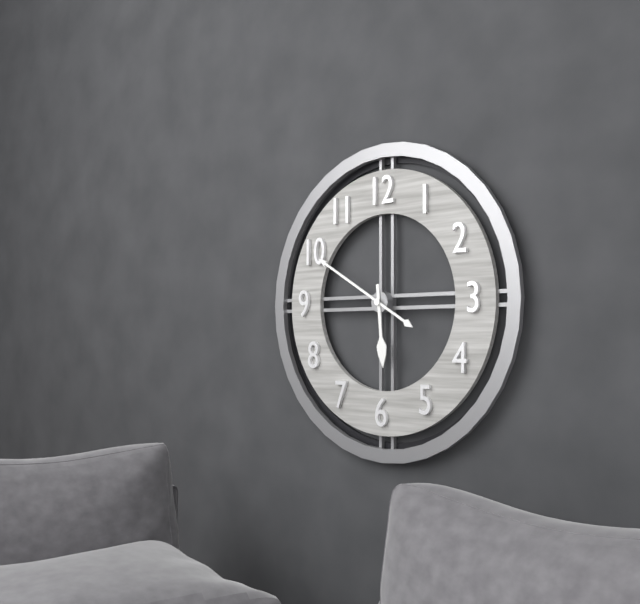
5:50
